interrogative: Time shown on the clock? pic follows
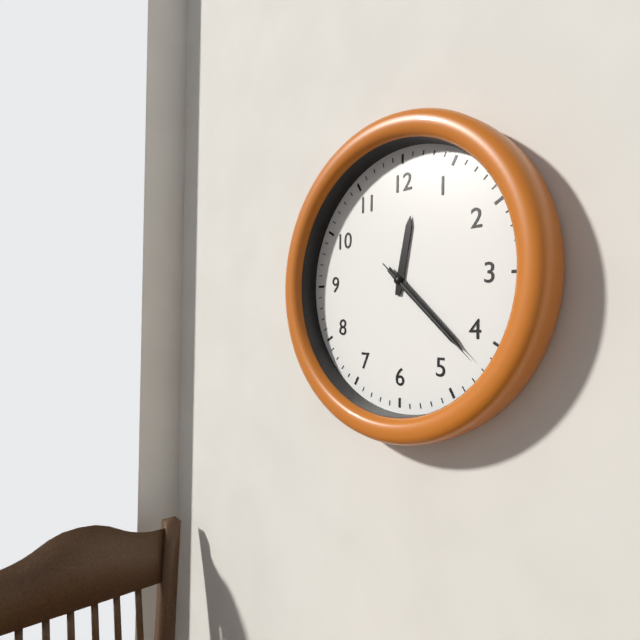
12:22:22
